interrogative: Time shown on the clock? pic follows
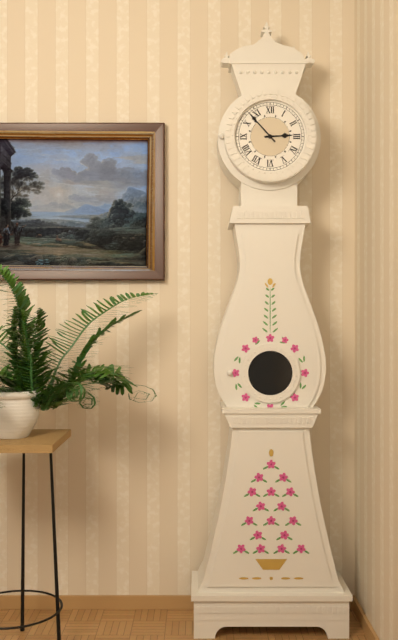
2:53
